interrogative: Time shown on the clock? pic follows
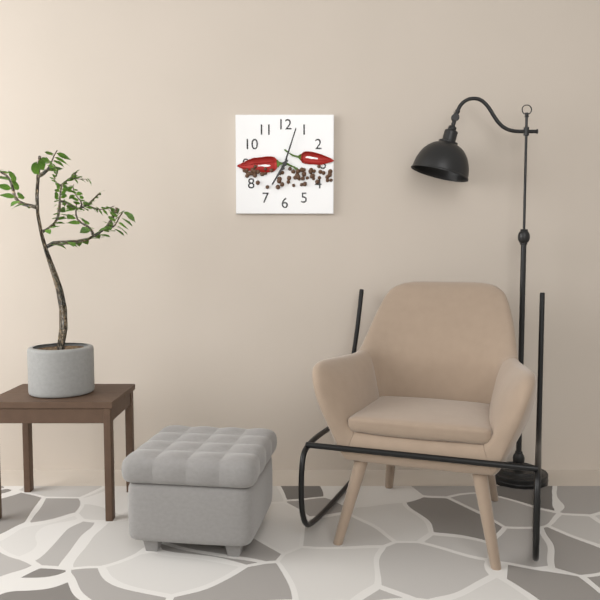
7:03
